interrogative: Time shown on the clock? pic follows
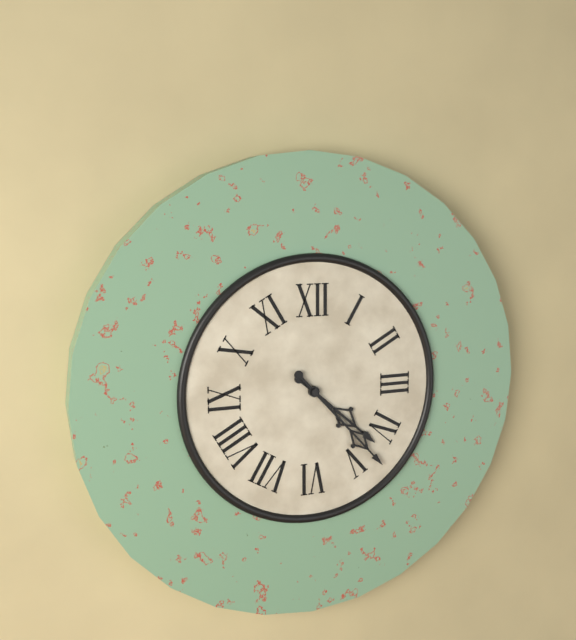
4:23
